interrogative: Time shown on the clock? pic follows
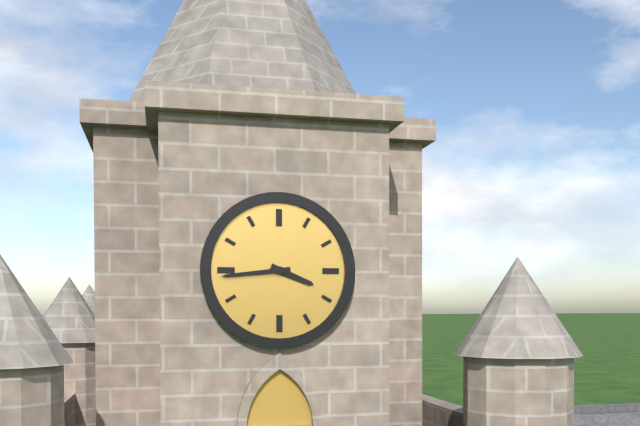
3:44
